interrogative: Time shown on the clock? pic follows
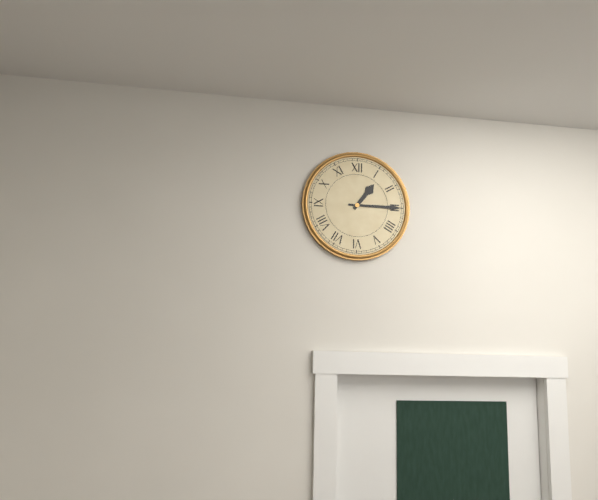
1:15
